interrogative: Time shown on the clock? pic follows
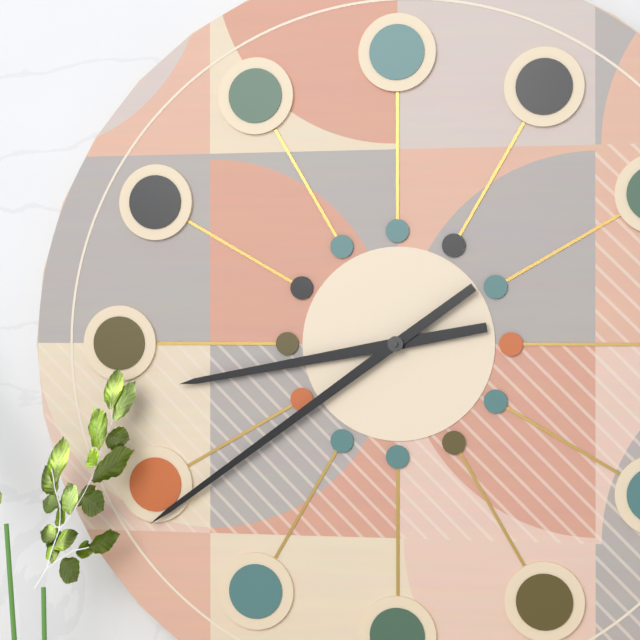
8:39
